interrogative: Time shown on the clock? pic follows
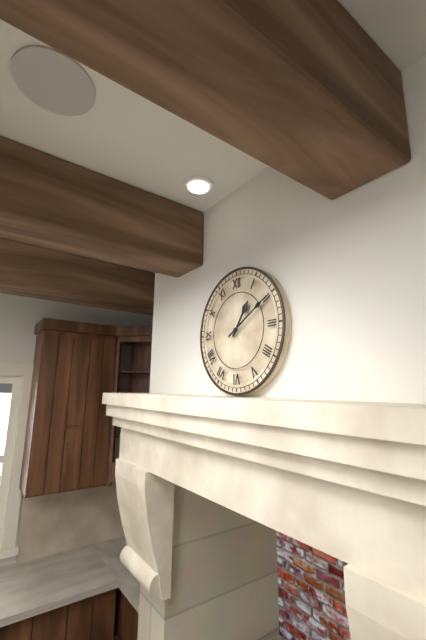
1:10
